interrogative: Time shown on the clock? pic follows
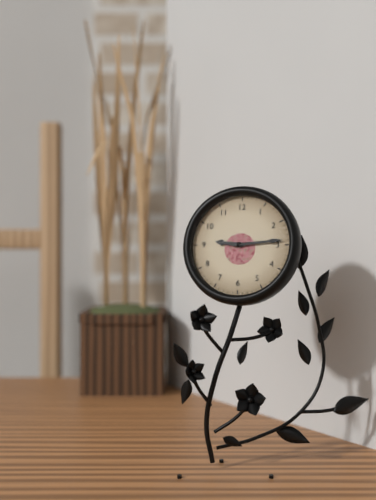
9:14
